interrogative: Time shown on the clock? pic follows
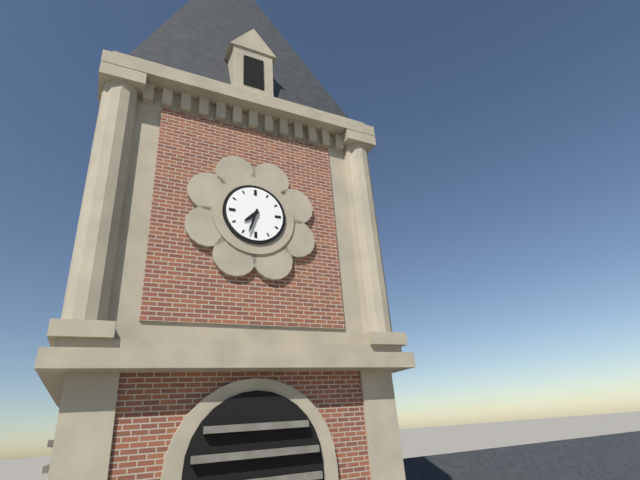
7:33
